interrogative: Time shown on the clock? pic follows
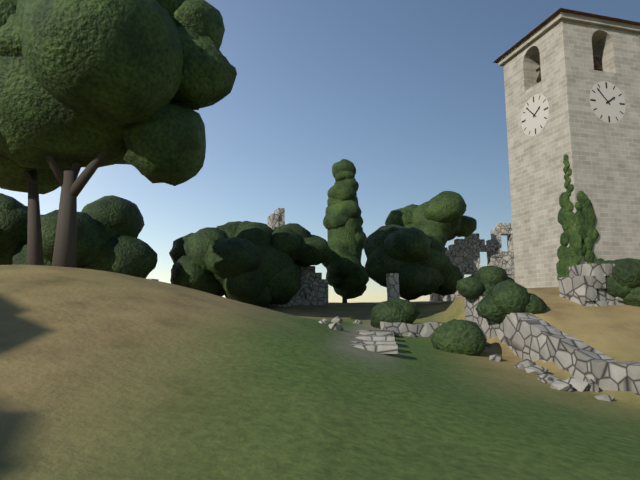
1:53
